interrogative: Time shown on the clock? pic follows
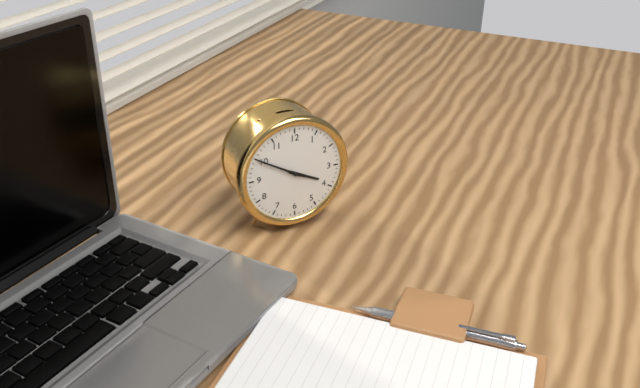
3:50:50
